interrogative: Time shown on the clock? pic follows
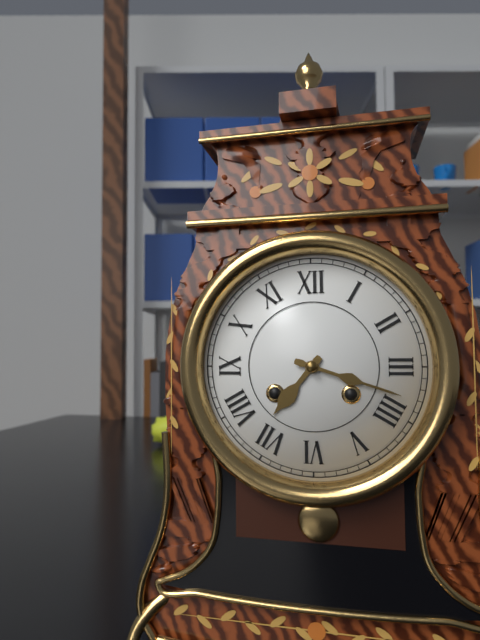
7:18
